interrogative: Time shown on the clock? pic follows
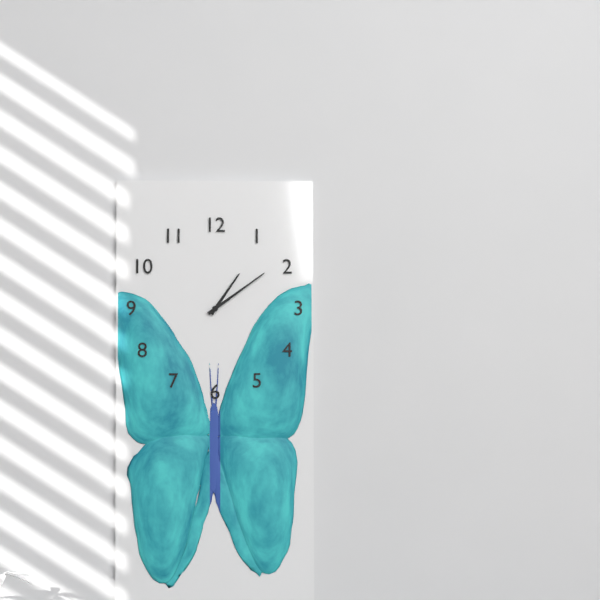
1:09
